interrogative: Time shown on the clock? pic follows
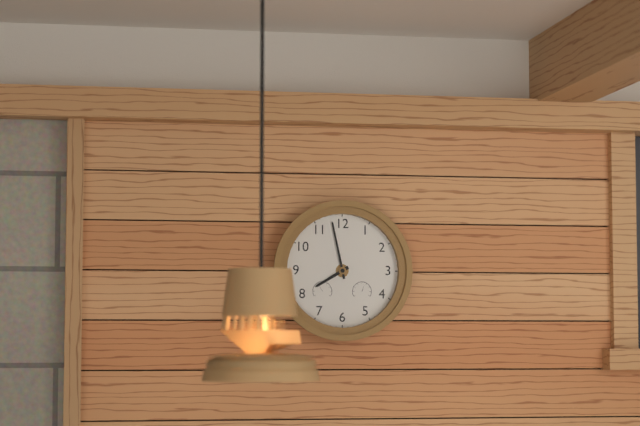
7:58
